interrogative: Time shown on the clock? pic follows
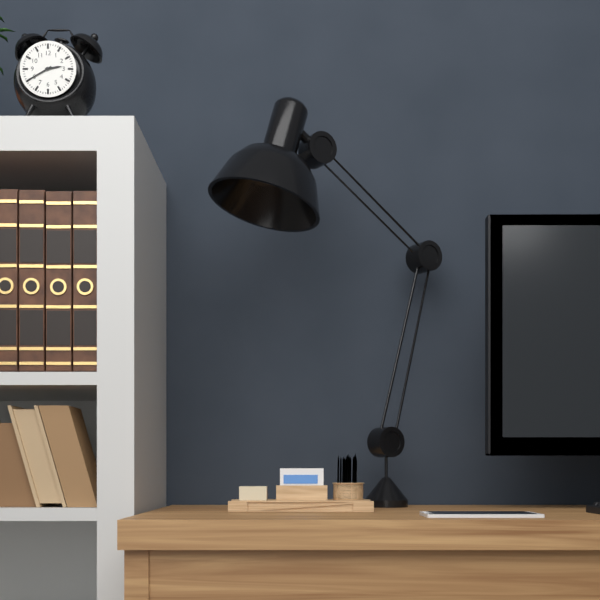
2:40
